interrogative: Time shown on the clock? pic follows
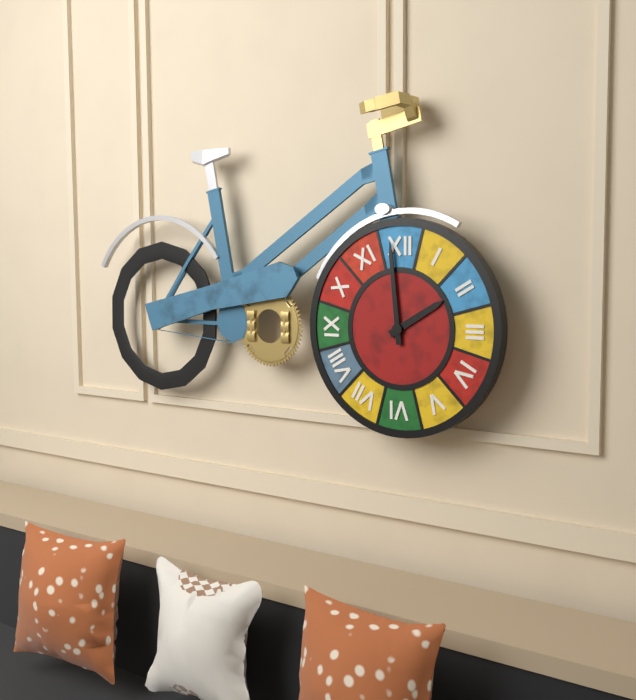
1:59
